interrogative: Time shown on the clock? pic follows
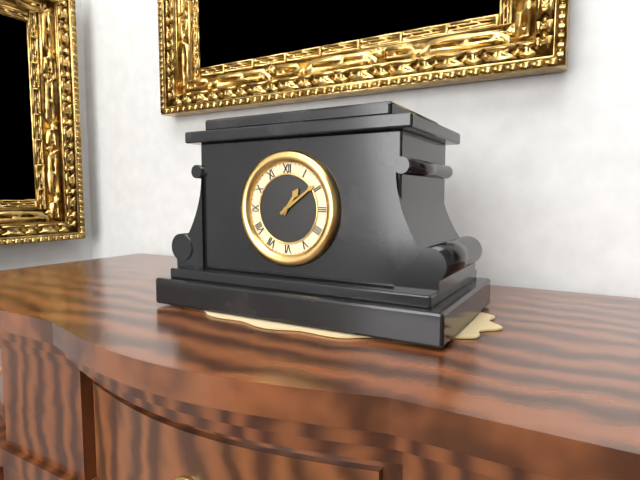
1:09
